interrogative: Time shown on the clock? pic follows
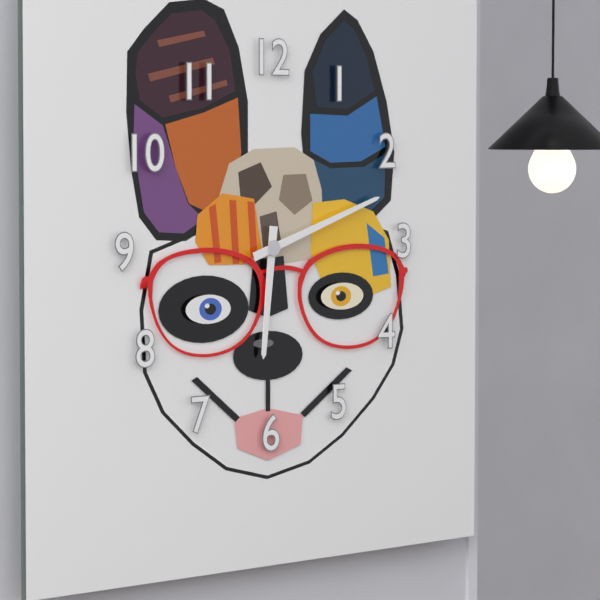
6:12
